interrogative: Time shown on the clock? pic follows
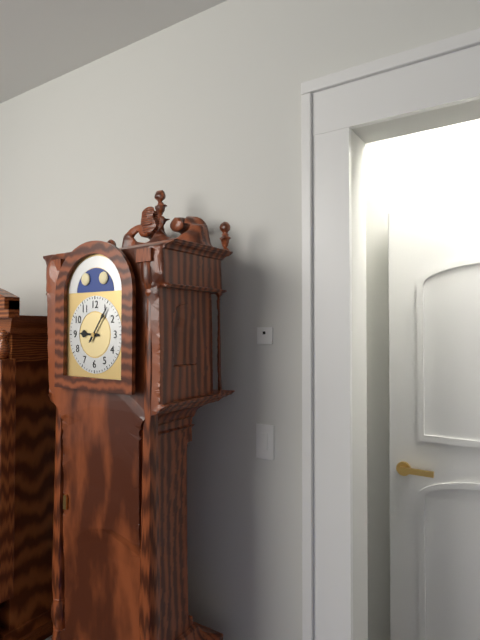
9:06
